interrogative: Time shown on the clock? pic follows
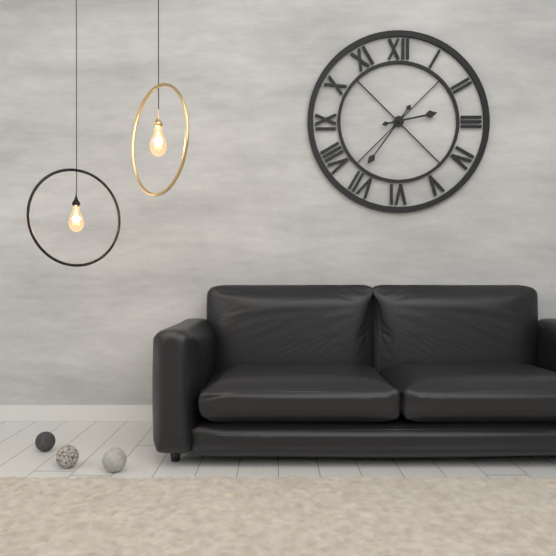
2:36
